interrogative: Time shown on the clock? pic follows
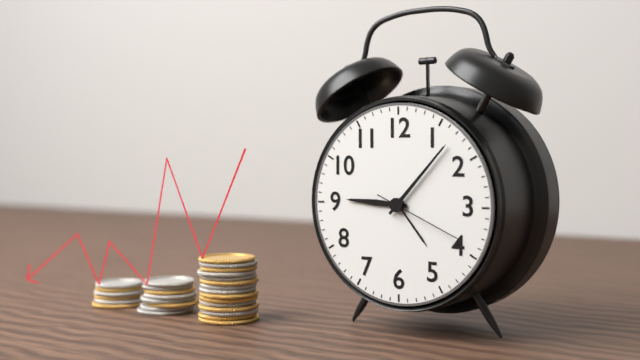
9:07:19
